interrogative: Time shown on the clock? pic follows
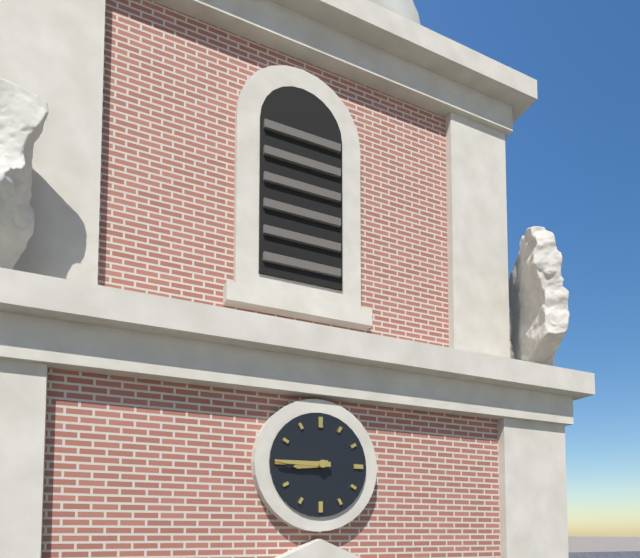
8:45
